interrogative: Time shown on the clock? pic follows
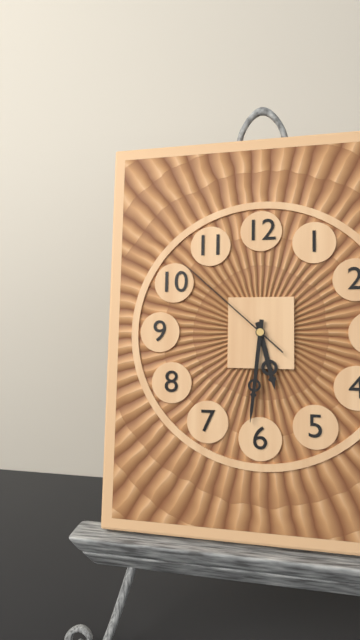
5:31:52
